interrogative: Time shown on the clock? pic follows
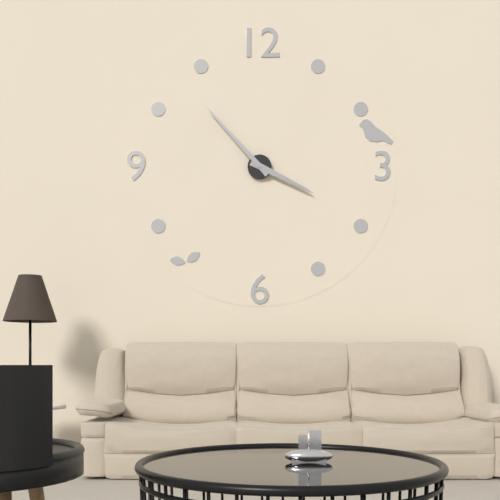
3:53
